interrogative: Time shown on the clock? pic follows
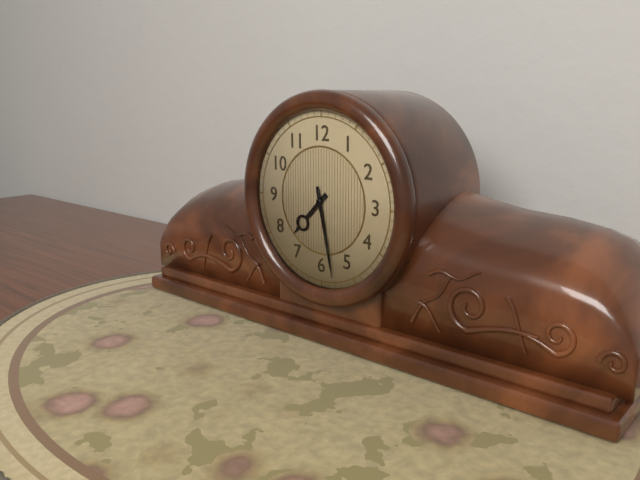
7:28
